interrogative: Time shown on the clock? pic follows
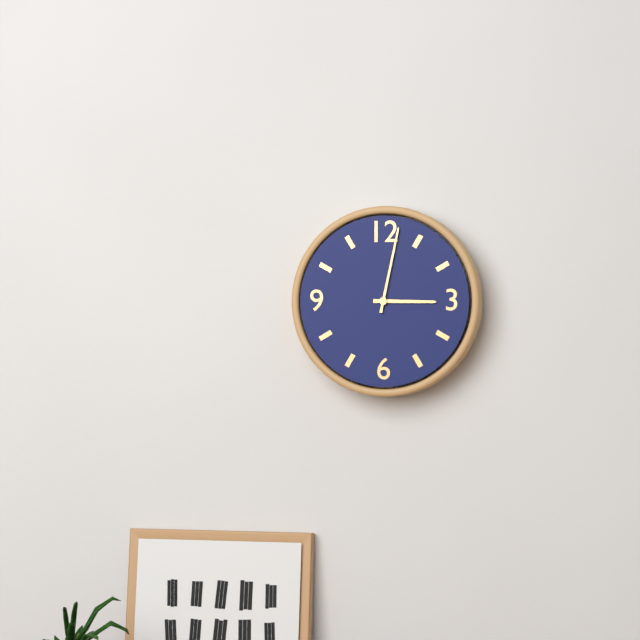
3:02
